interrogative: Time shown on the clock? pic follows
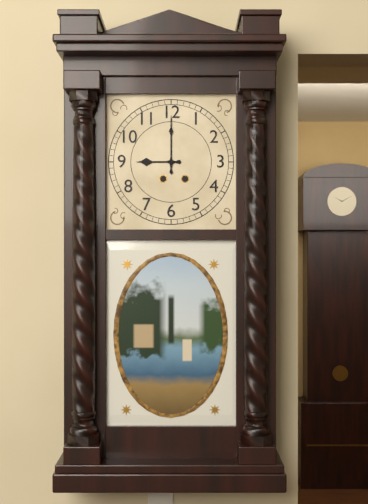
9:00
